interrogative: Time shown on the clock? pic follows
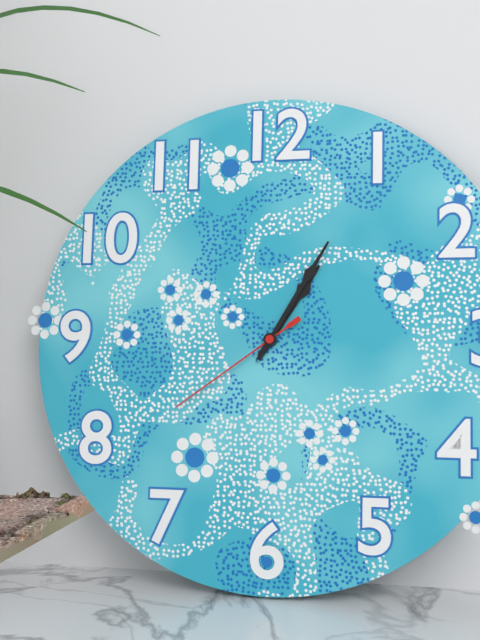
1:05:39
